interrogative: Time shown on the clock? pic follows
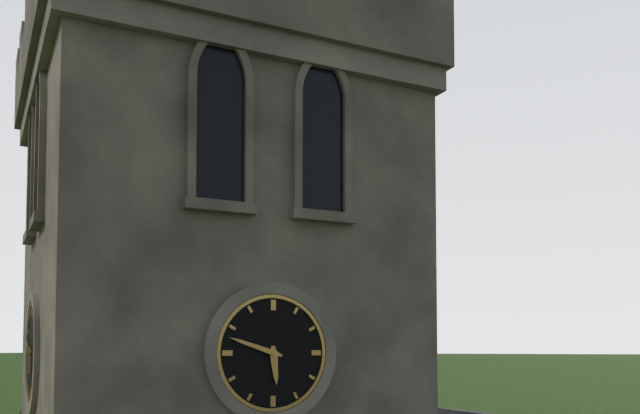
5:48
